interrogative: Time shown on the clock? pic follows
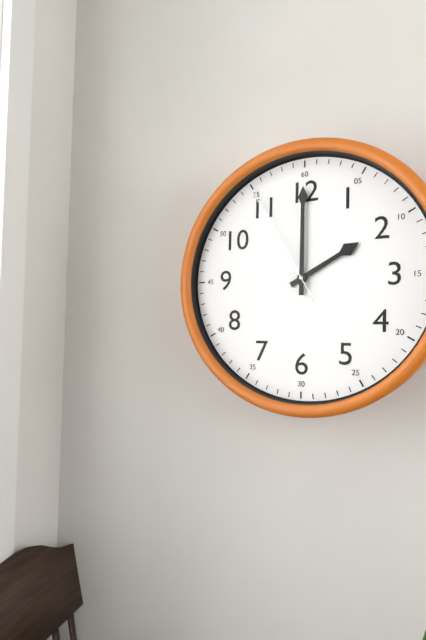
2:00:55
